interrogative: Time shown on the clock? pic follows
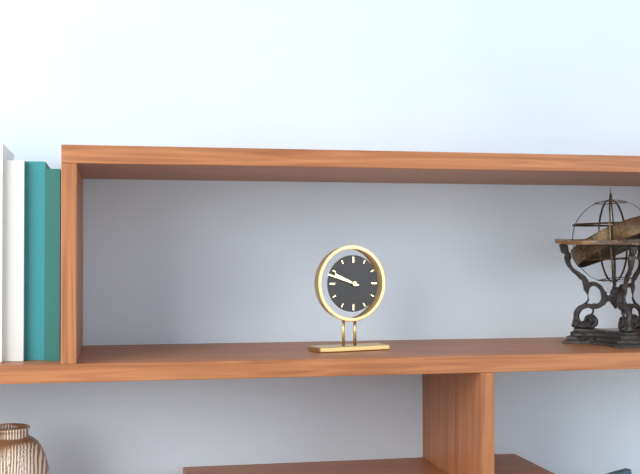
9:48
